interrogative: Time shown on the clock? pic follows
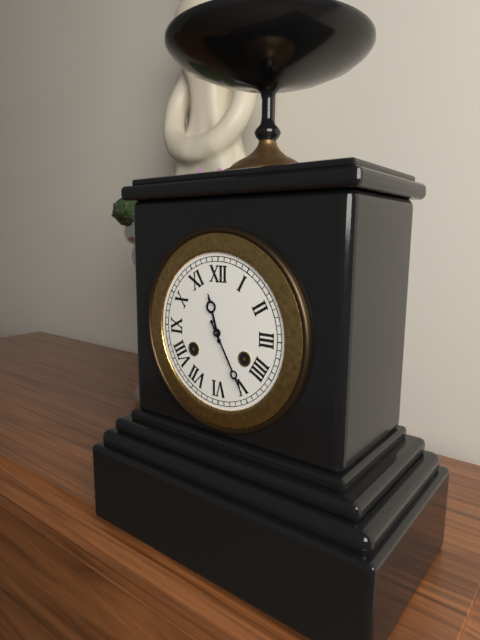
11:25
